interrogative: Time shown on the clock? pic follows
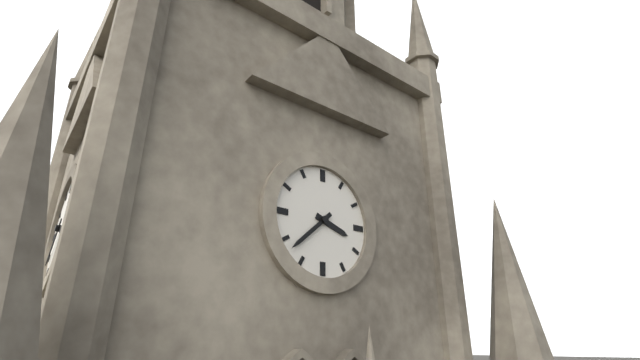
3:38
